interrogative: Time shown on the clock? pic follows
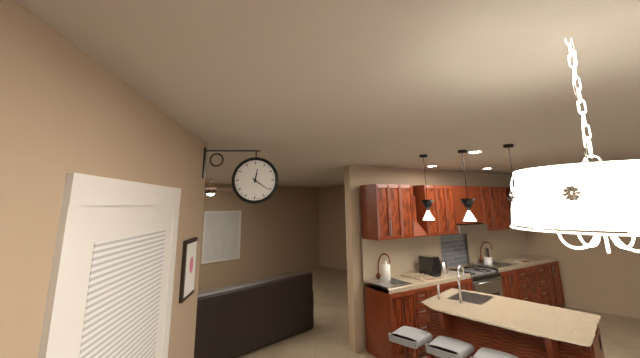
12:21
